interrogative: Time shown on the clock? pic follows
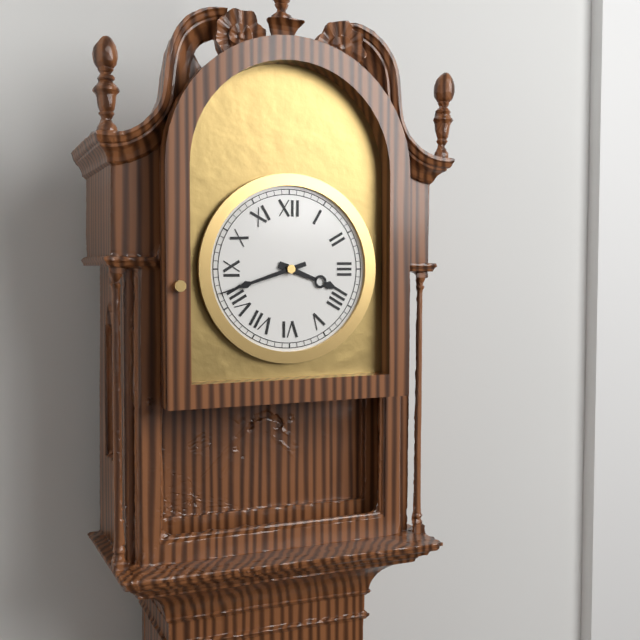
3:42
